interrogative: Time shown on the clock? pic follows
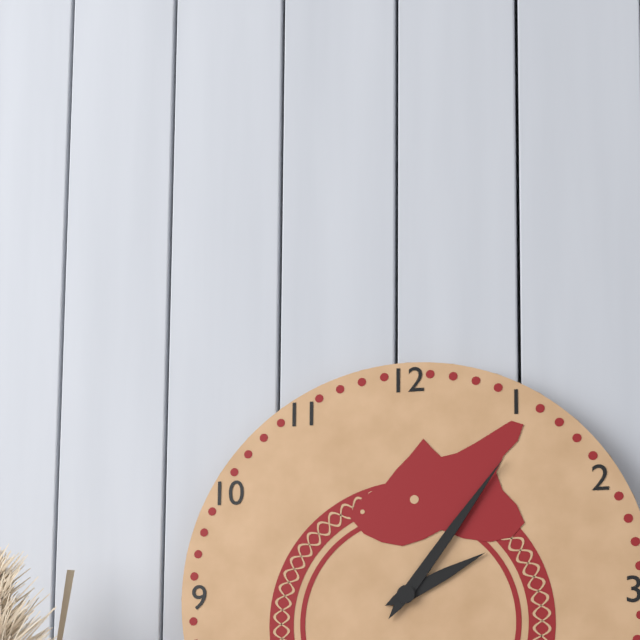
2:06
